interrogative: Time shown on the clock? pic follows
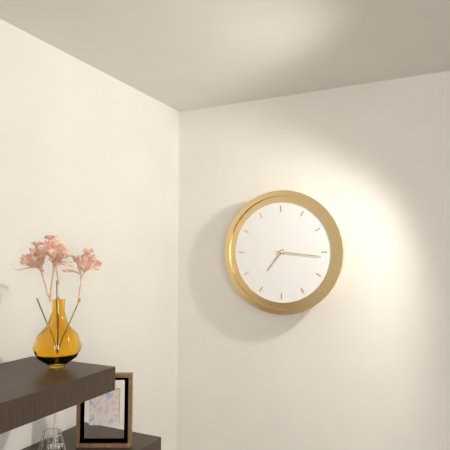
7:16
